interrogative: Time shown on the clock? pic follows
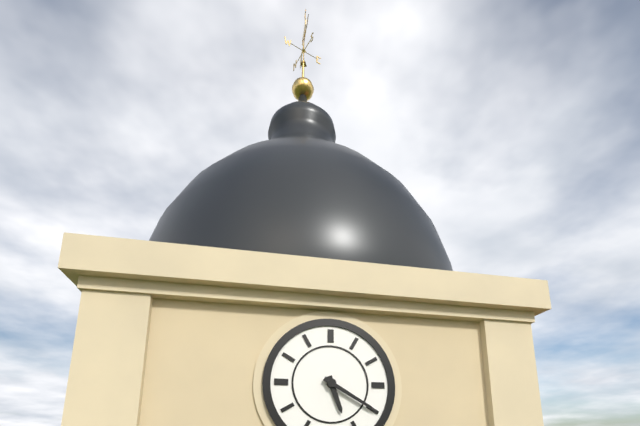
5:20
